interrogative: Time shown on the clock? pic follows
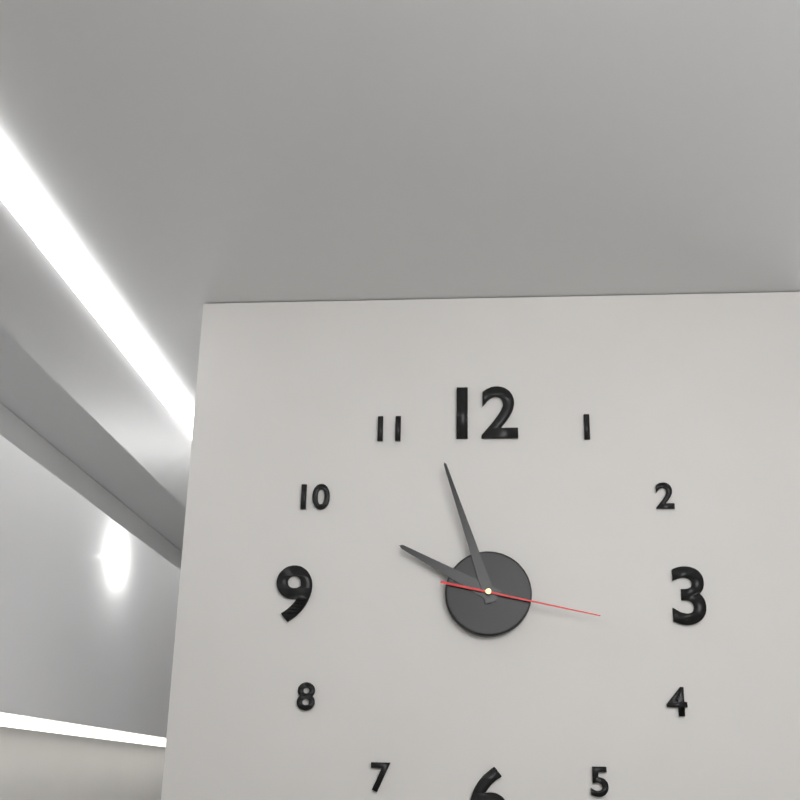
9:57:17
